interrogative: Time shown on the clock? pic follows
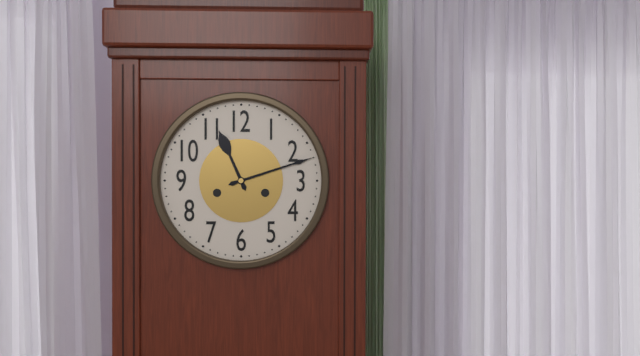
11:12
